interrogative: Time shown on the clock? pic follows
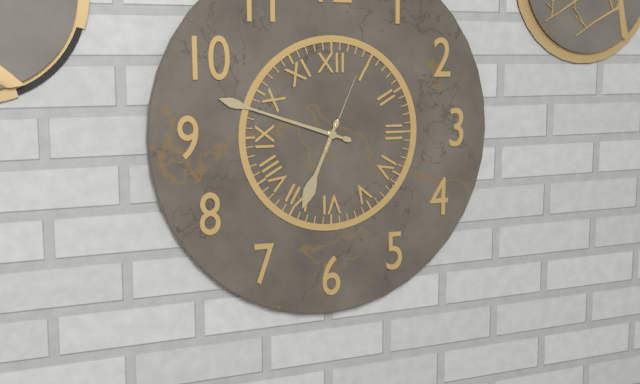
6:48:04
